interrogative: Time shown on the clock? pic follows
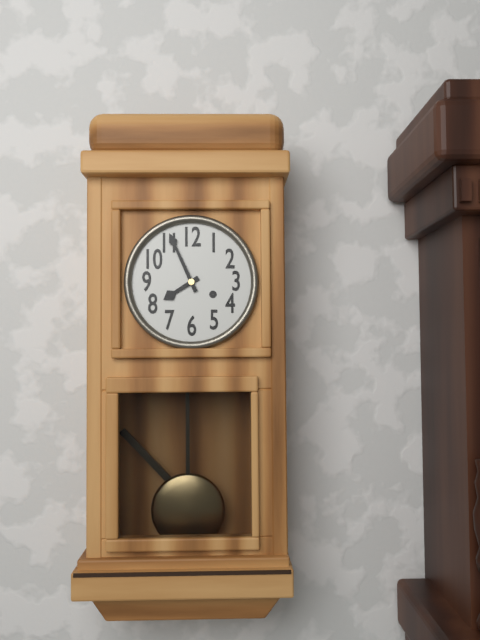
7:56
